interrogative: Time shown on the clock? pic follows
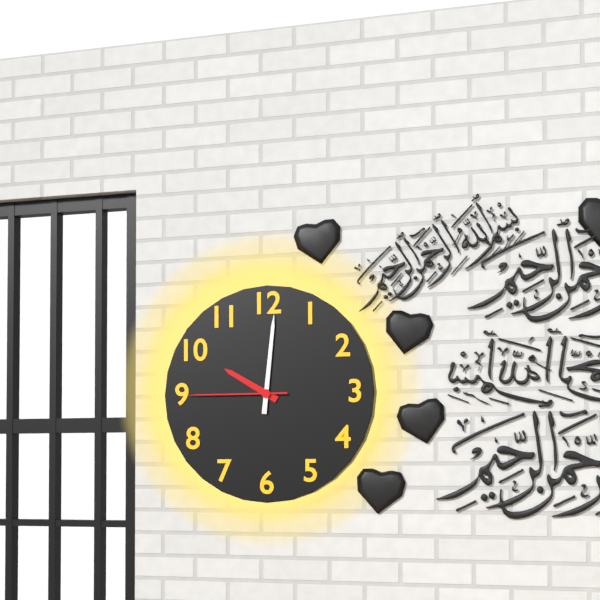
10:01:45
